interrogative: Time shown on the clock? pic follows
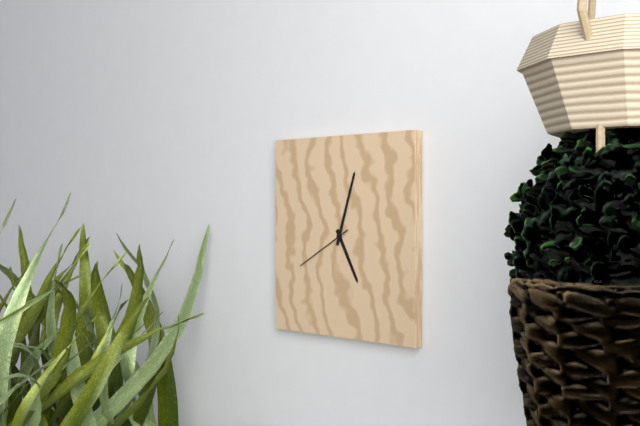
5:03:40
